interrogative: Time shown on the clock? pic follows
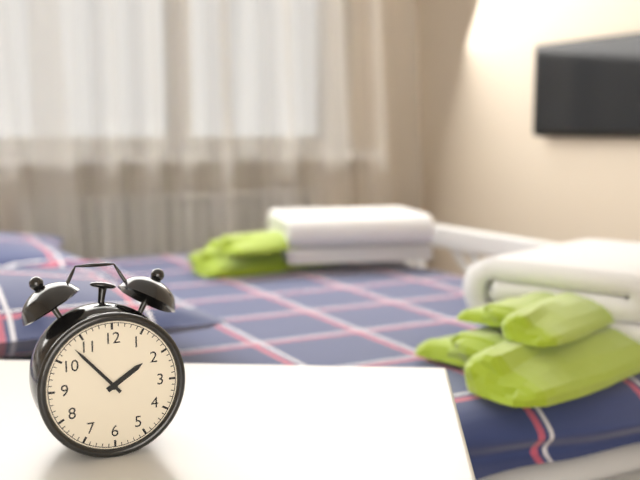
1:53
